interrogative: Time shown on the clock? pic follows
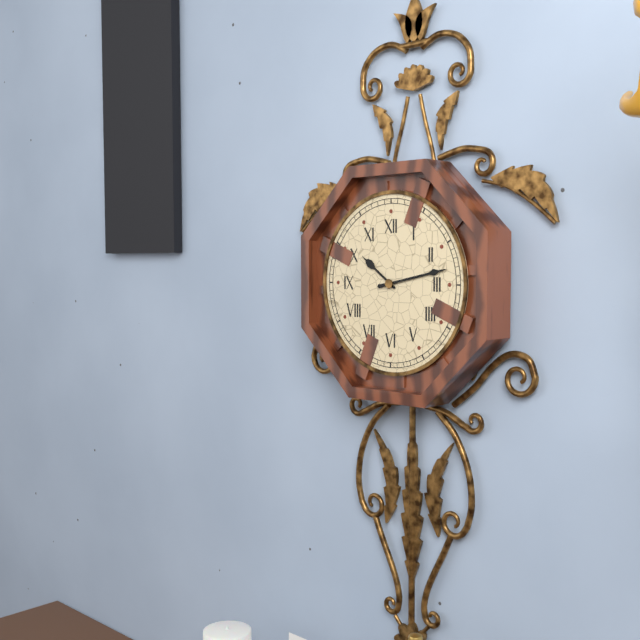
10:13
